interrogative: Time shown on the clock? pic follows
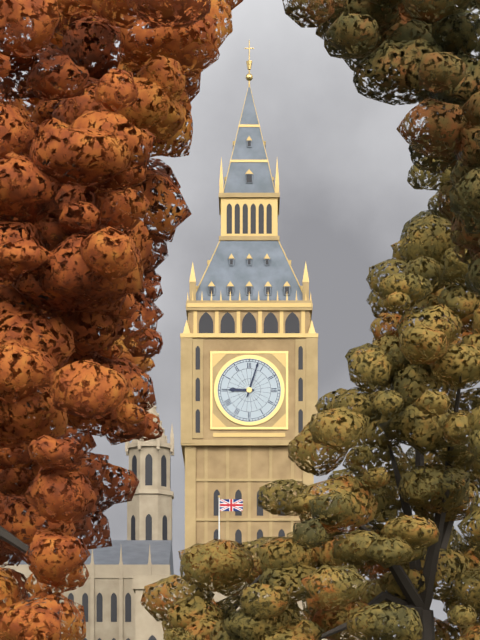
9:03
